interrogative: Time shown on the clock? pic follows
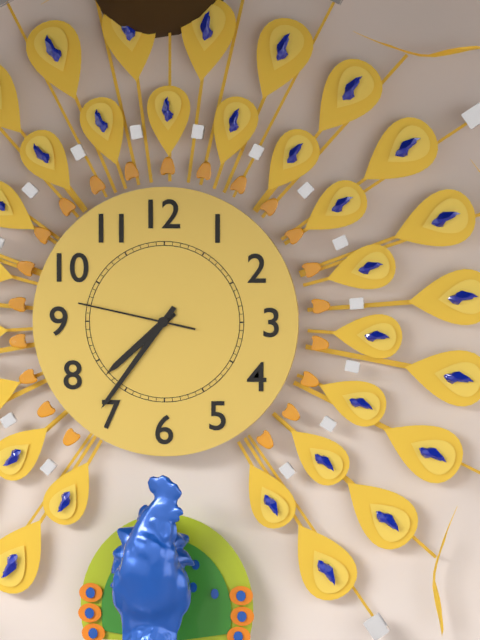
7:36:47
